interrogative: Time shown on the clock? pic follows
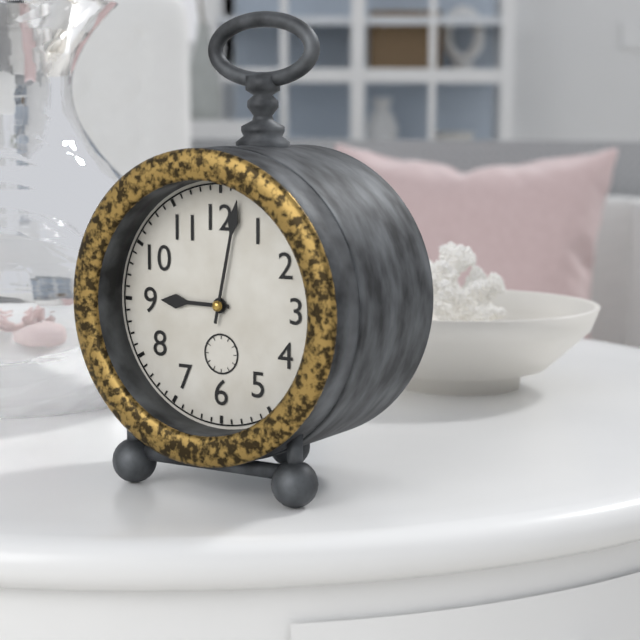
9:02
